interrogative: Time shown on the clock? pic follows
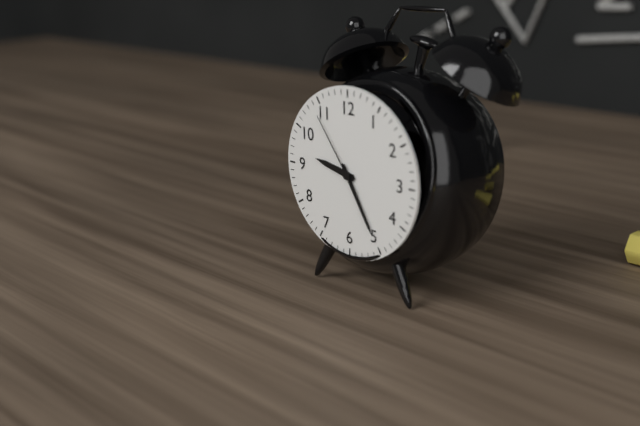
9:25:54
